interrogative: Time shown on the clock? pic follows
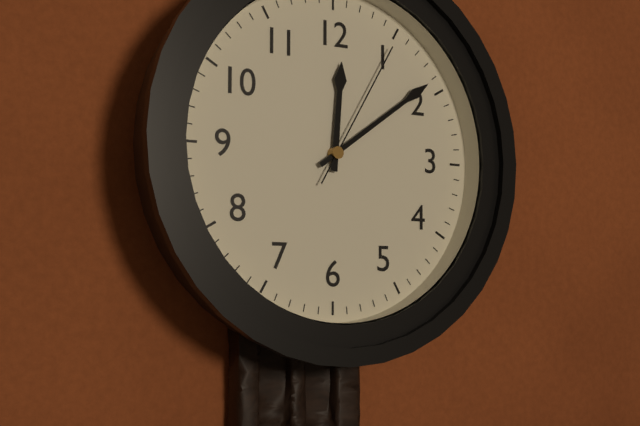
12:09:05
